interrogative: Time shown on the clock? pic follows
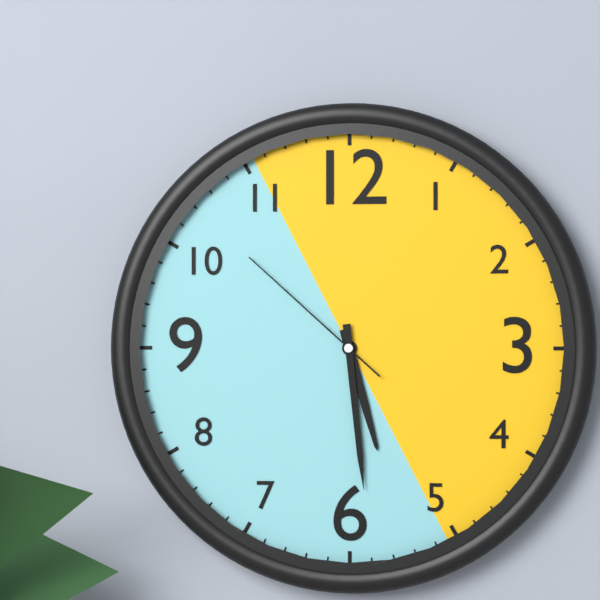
5:29:52
